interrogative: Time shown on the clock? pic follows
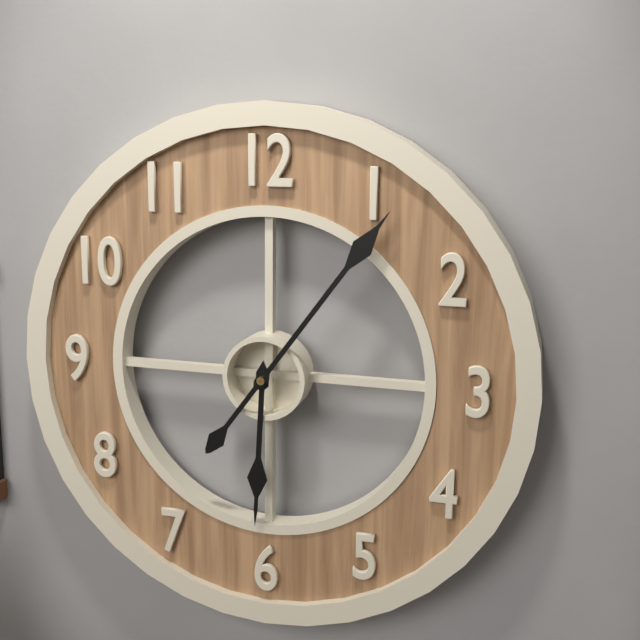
6:06
